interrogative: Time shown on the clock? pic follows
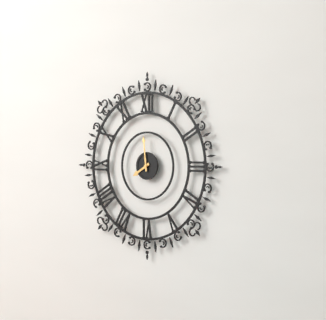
7:59
